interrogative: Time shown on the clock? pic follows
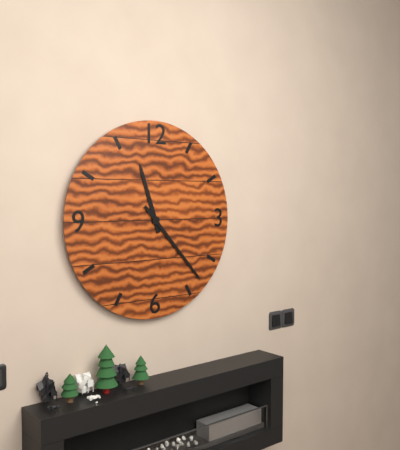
11:23
